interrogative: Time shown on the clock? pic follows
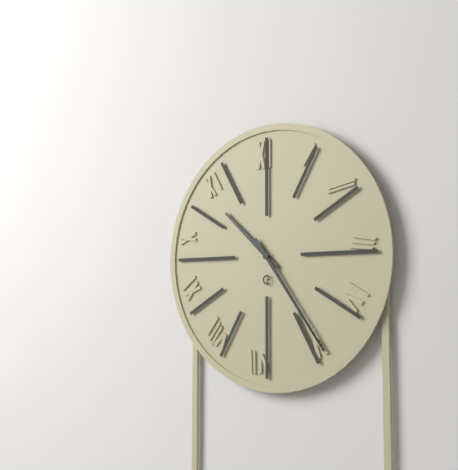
10:24
